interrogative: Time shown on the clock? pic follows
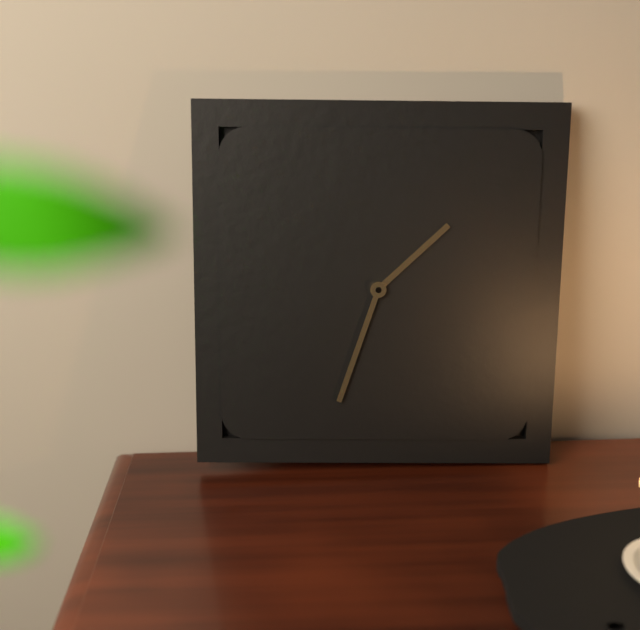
1:33
